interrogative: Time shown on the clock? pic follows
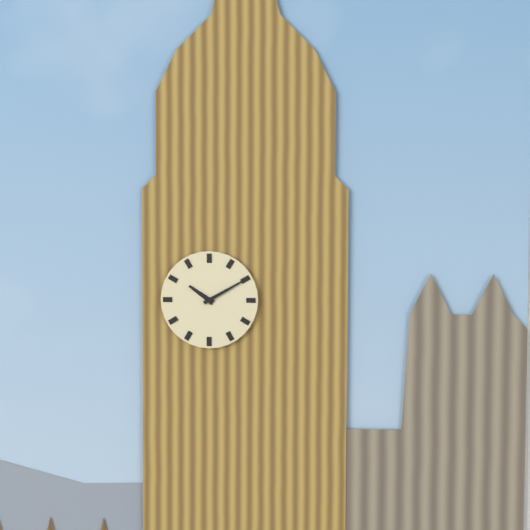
10:10
